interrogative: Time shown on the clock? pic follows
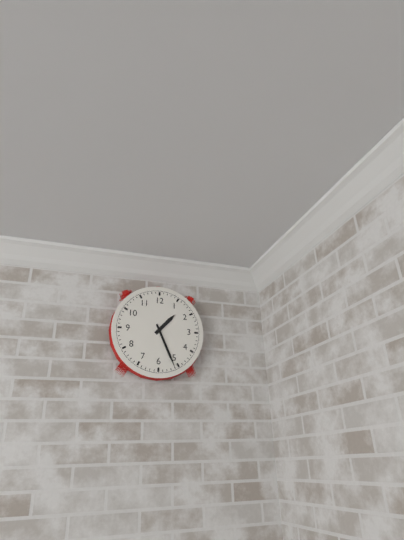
1:26
